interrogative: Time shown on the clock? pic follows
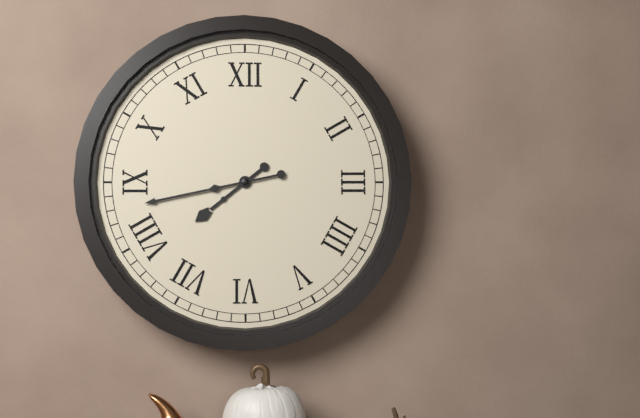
7:43
